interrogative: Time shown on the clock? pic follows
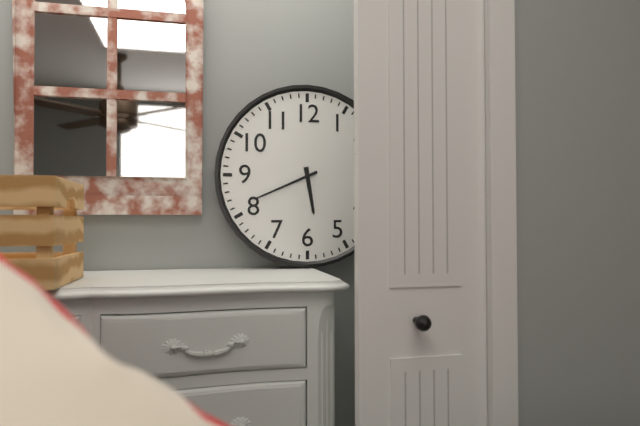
5:41
